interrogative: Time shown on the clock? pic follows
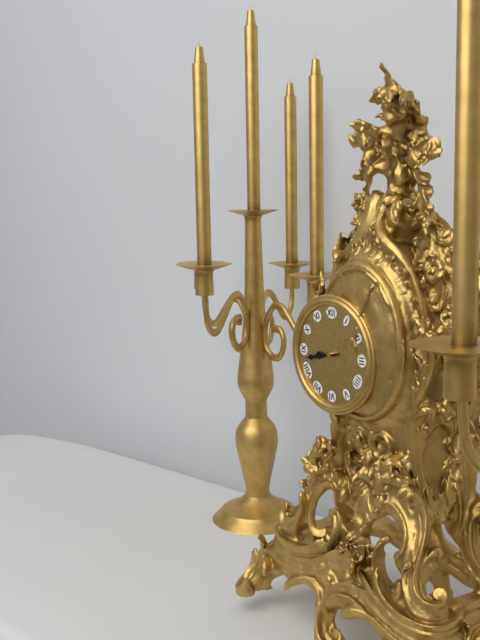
8:43
